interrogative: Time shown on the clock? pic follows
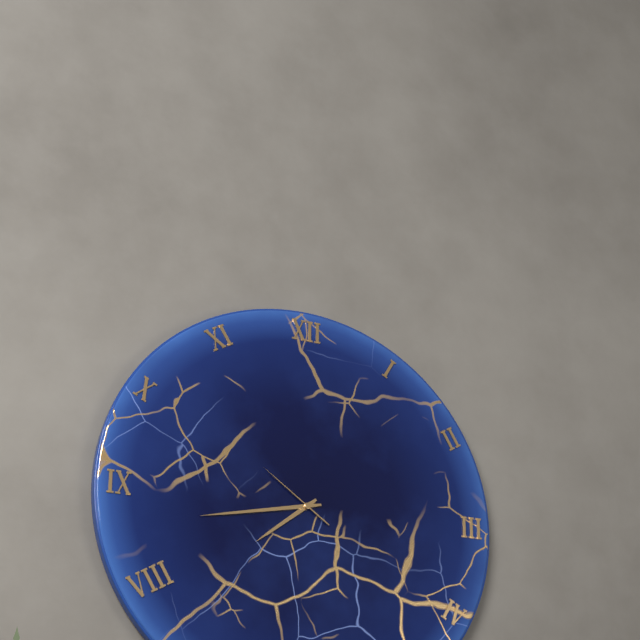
7:43:51
